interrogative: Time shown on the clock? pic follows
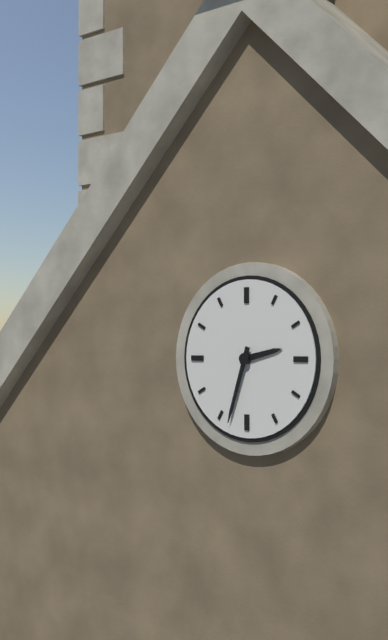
2:33
